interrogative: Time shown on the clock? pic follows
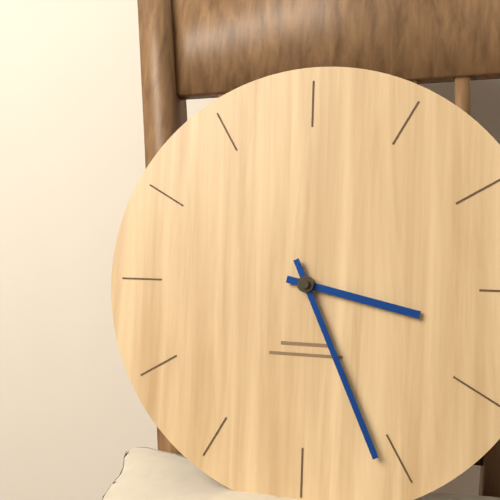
3:26
